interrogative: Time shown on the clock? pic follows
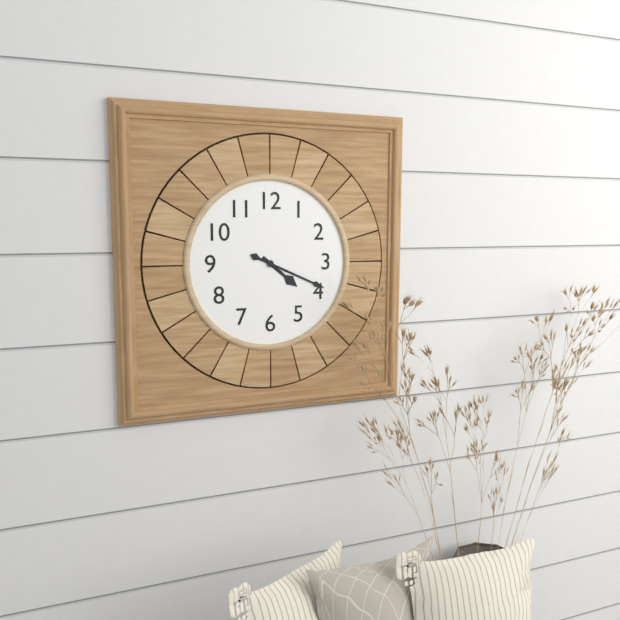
4:19
